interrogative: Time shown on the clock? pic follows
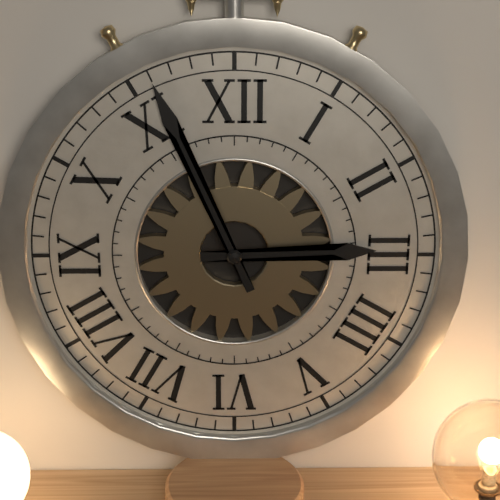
2:56
